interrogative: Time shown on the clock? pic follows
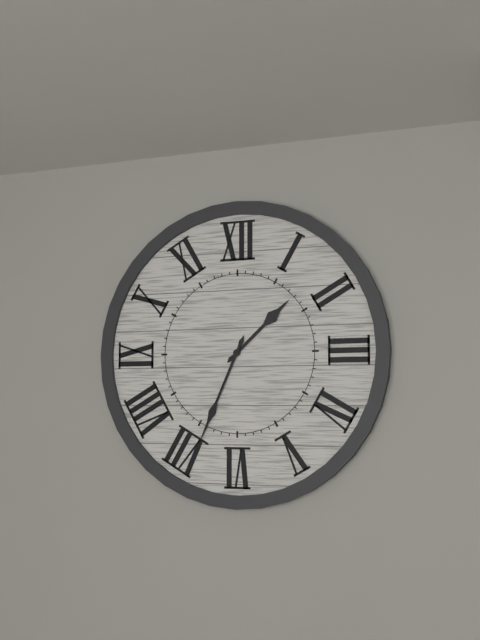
1:34
